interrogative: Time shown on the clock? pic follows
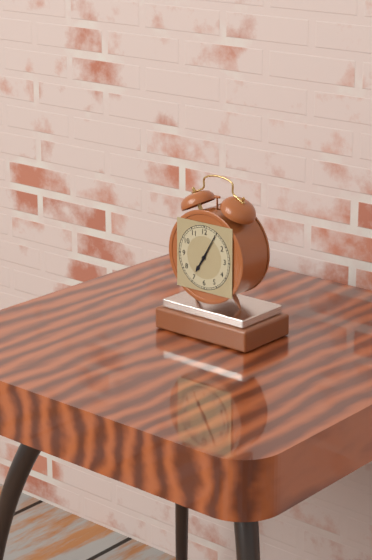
7:05
